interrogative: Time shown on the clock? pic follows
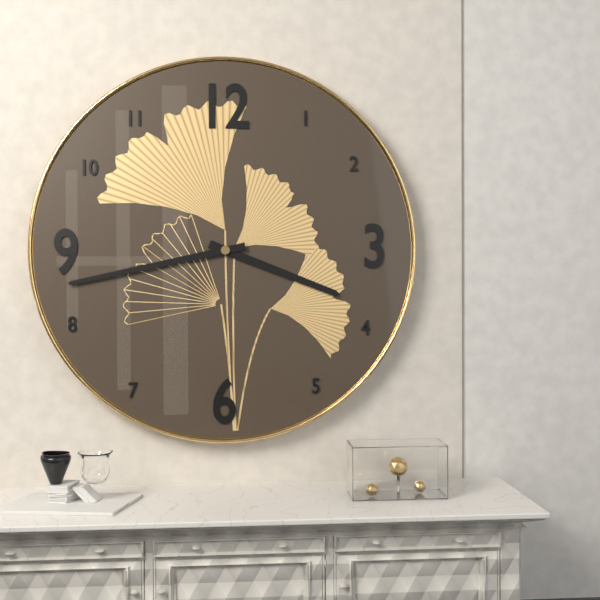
3:43
